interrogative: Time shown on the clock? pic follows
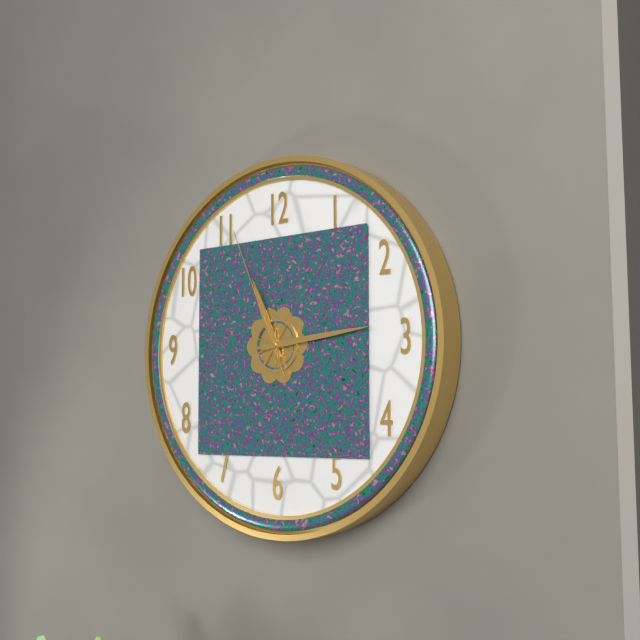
11:14:56
